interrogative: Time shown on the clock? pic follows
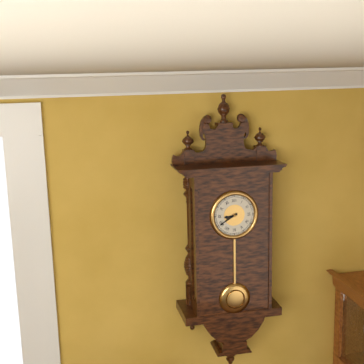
8:40
